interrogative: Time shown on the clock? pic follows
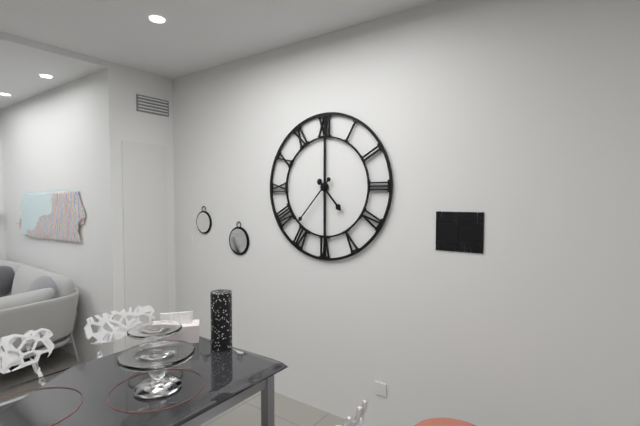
4:37
